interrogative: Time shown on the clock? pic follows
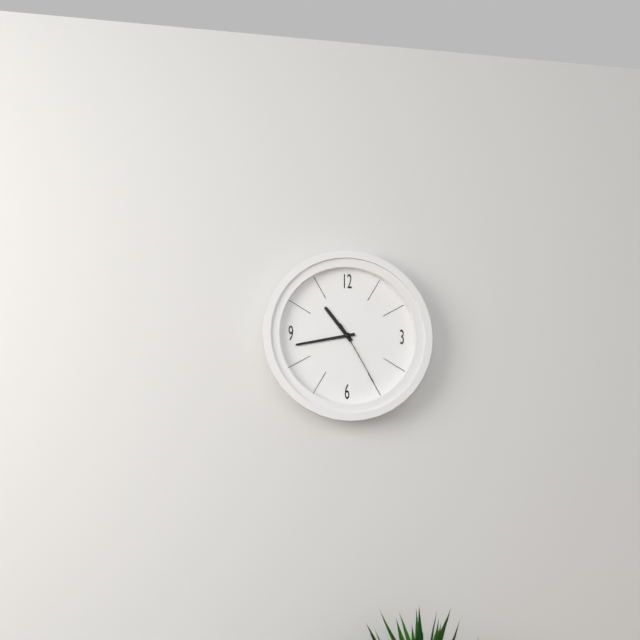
10:43:25
